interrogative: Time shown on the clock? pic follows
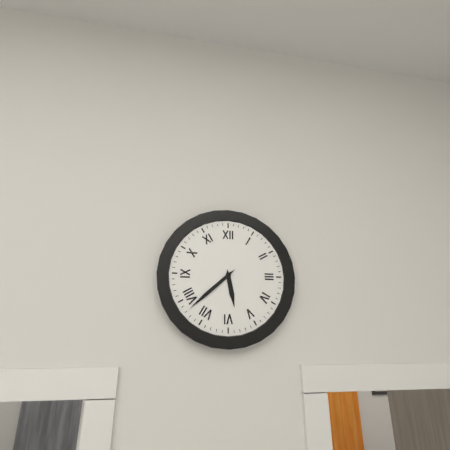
5:38
